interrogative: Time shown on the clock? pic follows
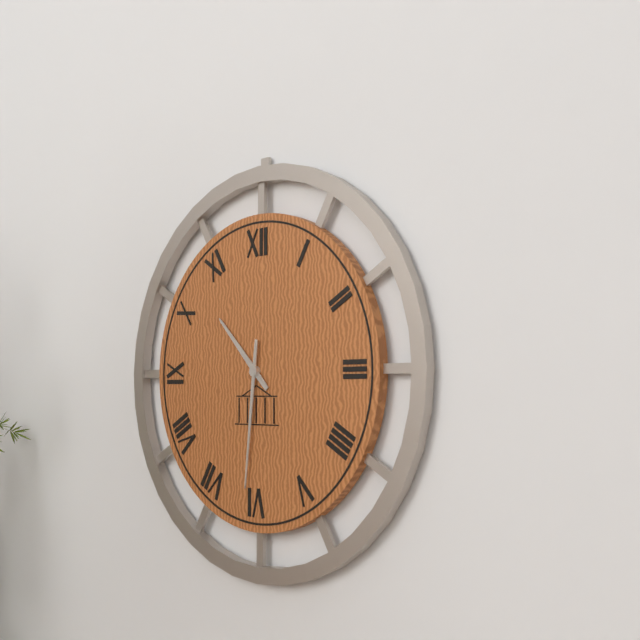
10:31
